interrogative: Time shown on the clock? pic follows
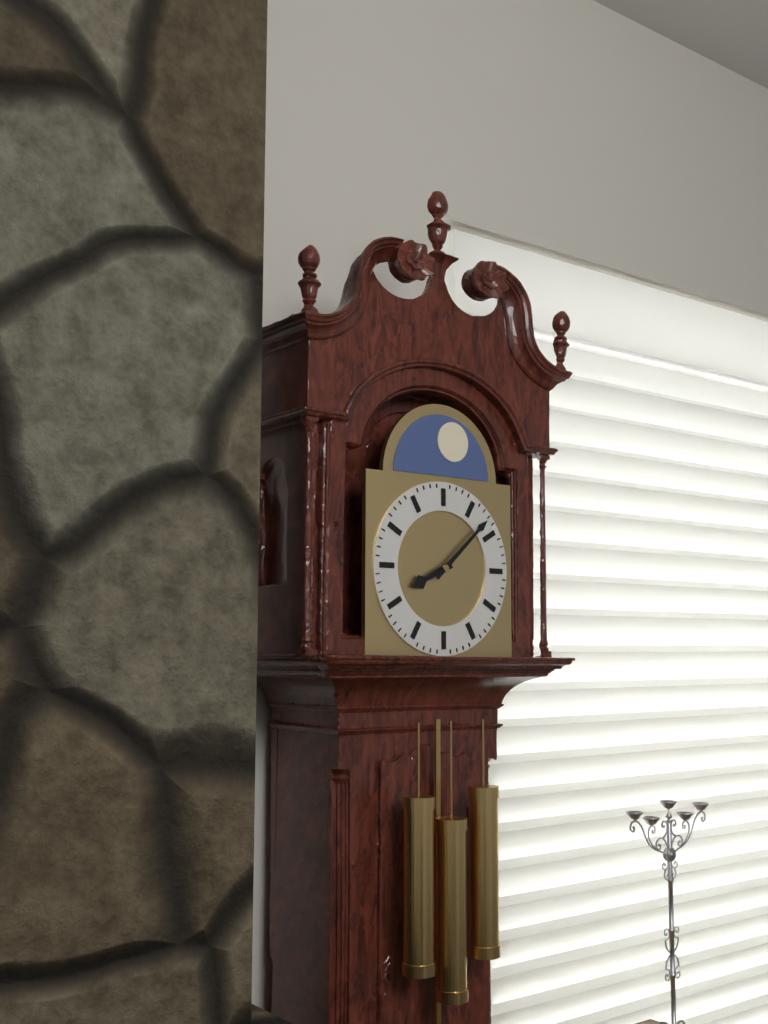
8:08
